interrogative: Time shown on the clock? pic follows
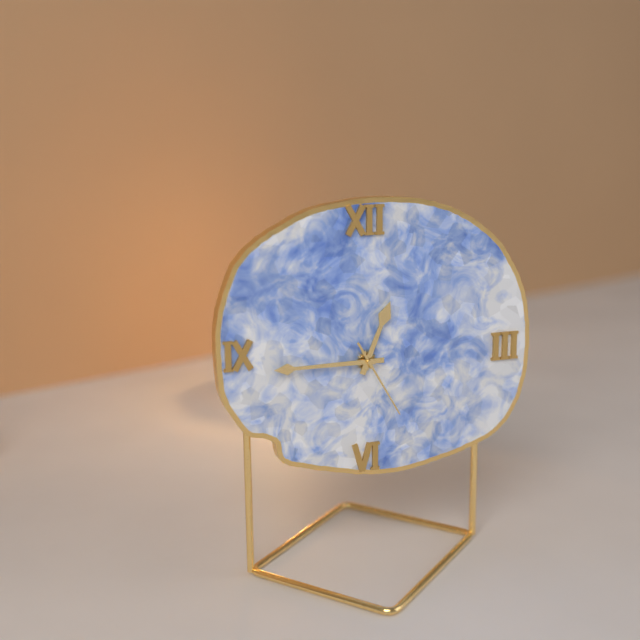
12:45:25
